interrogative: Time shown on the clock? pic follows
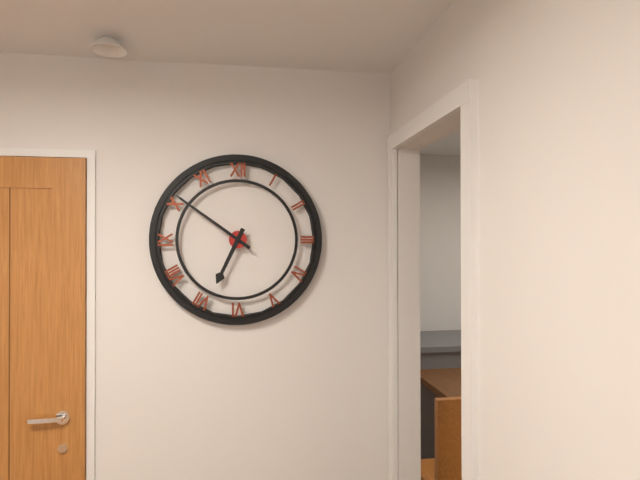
6:51
